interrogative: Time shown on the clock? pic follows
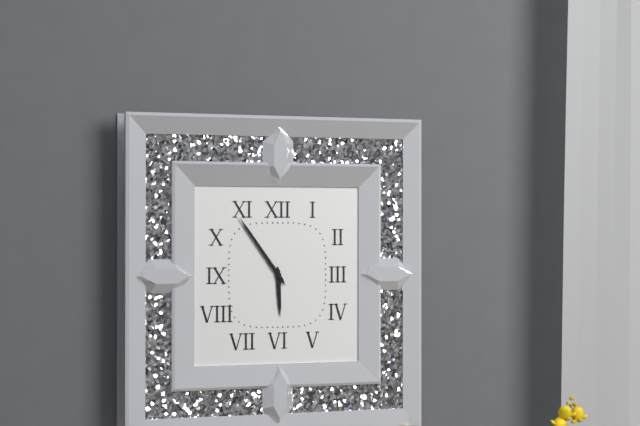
5:54
